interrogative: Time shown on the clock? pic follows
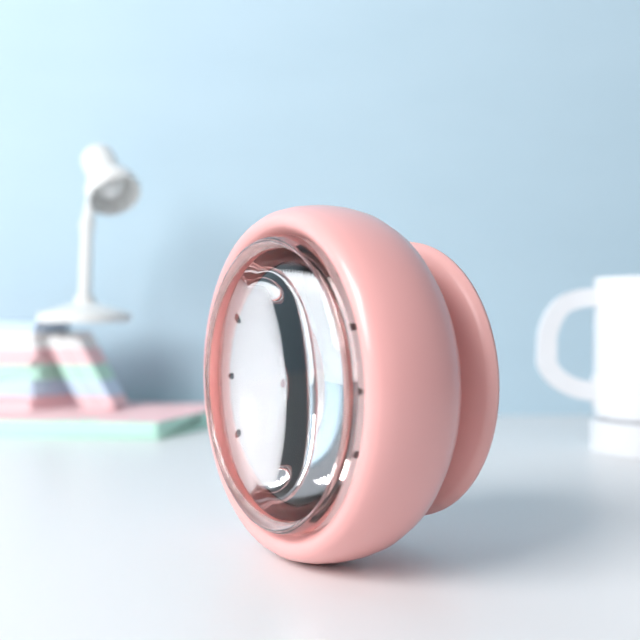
2:09
